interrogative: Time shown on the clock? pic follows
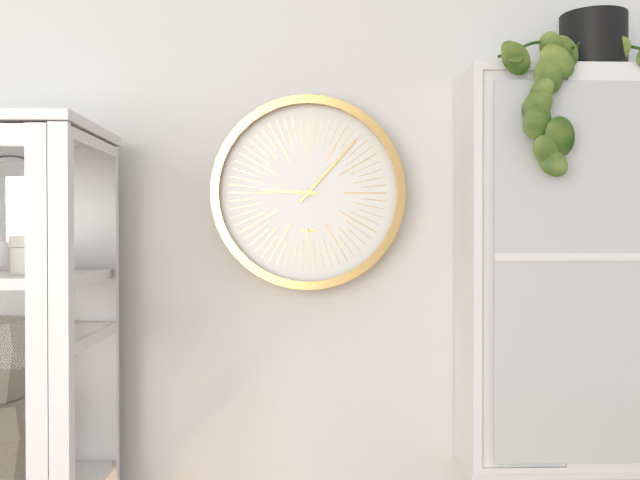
9:07
